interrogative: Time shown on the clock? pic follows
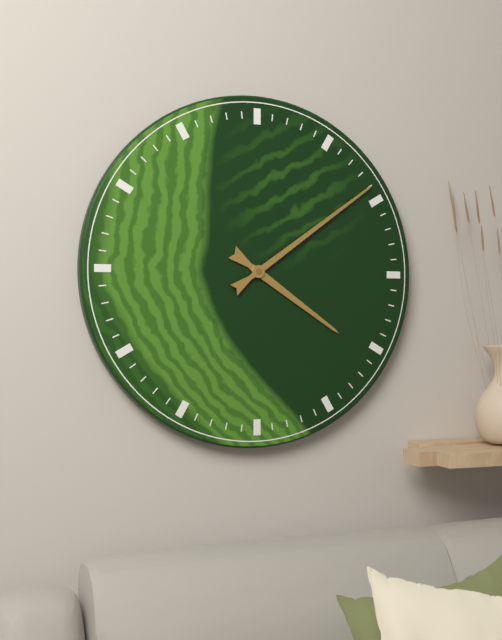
4:09
